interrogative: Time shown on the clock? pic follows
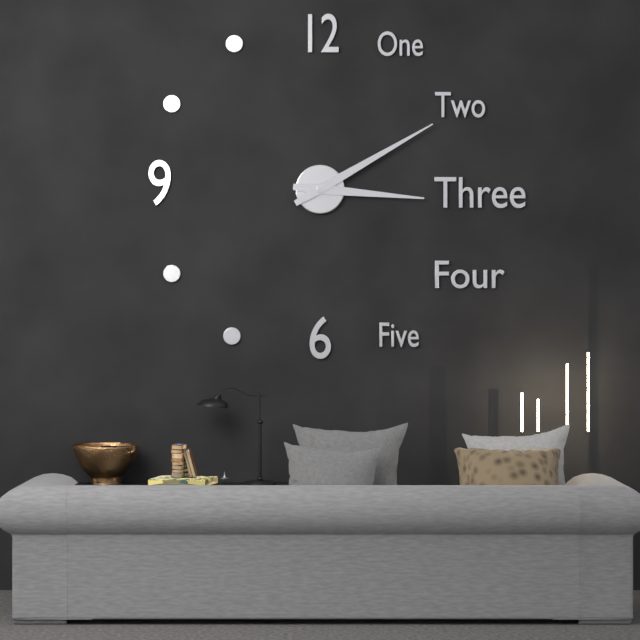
3:10
